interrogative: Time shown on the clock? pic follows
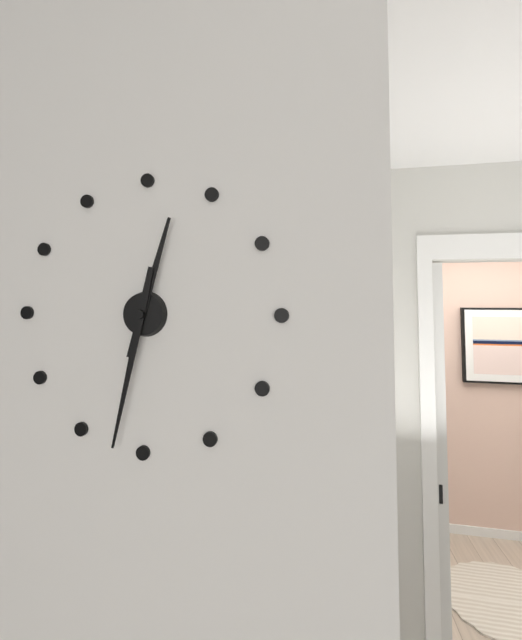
12:32
